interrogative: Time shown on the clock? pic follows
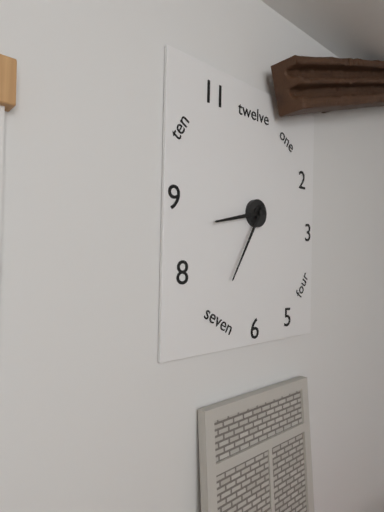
8:35
